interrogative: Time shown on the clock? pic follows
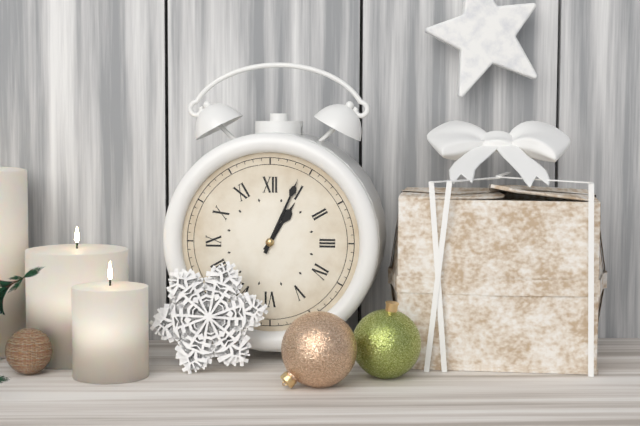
1:04
